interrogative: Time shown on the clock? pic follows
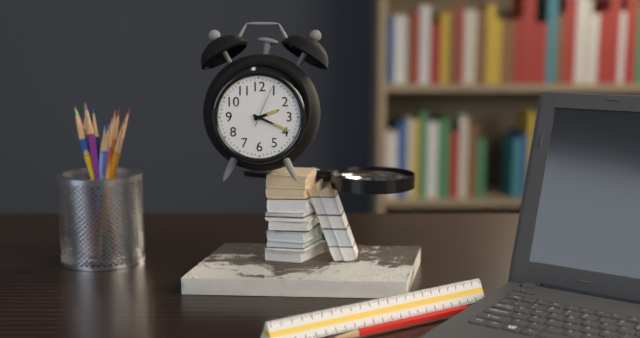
2:19
